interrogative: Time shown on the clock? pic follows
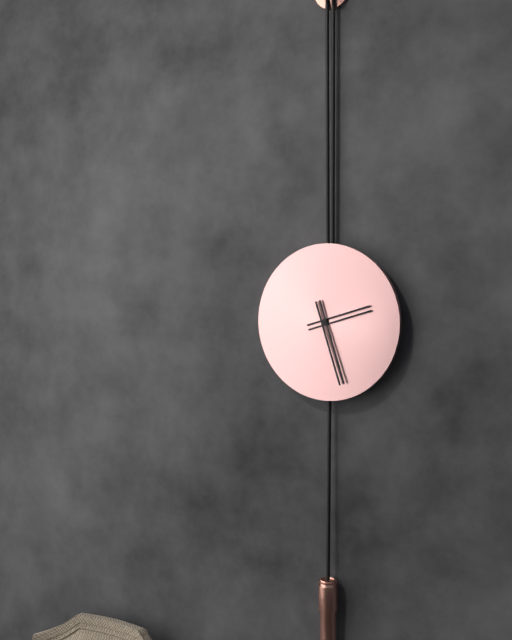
2:27
